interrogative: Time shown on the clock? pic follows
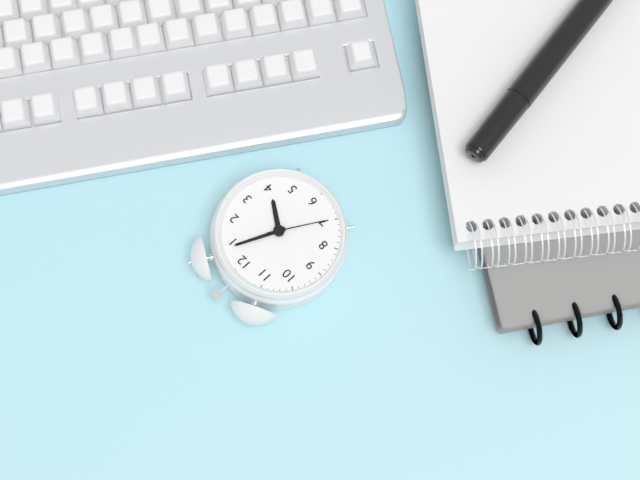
4:04:35
